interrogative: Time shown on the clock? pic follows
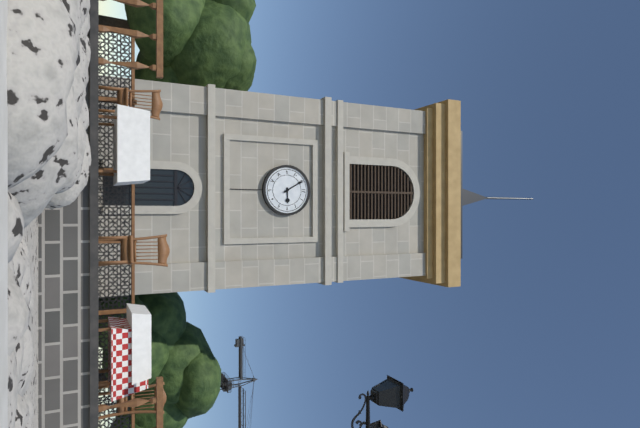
2:55
